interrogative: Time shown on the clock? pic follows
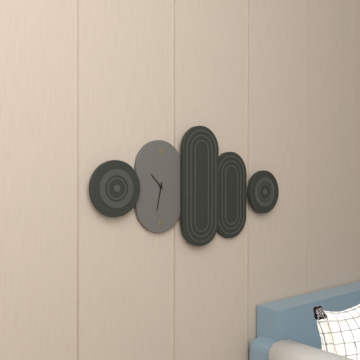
10:32
